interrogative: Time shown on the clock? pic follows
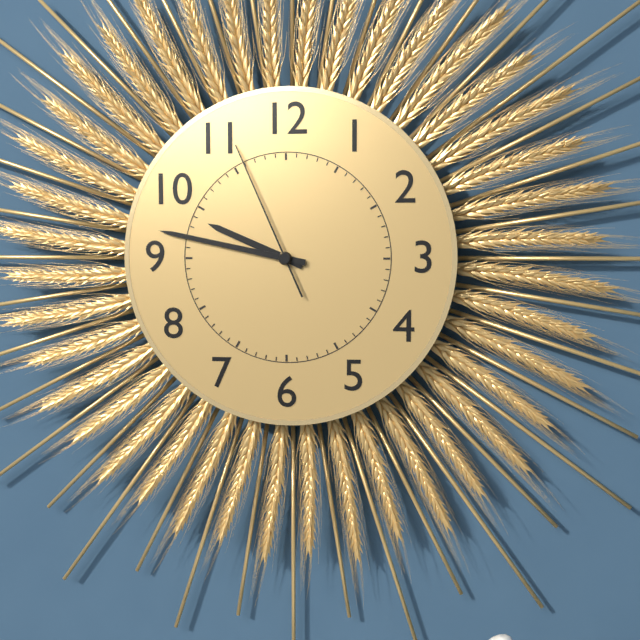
9:47:56
